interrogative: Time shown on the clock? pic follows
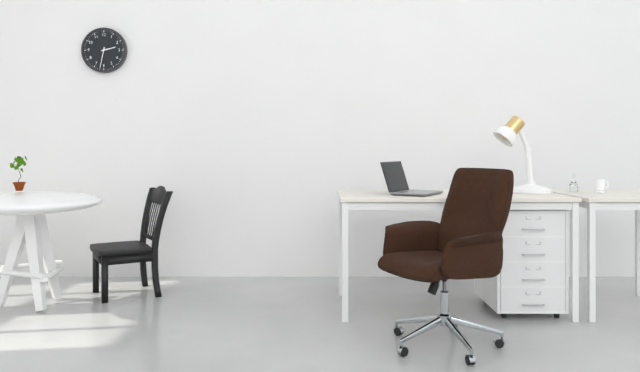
2:32
